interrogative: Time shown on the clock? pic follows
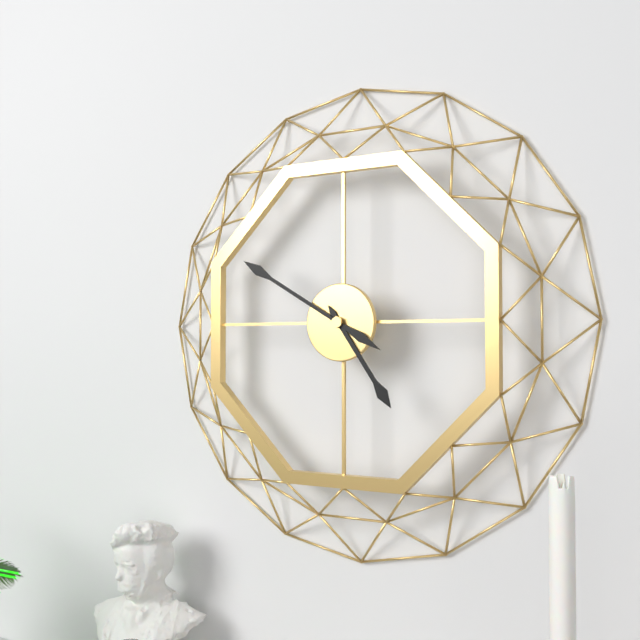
4:50
